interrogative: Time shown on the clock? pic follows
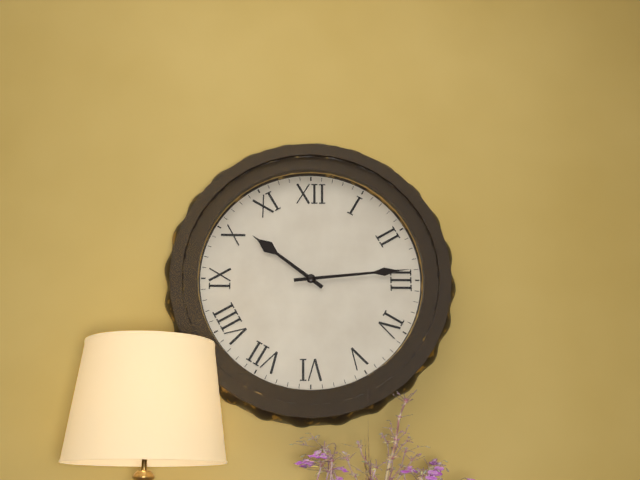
10:14
